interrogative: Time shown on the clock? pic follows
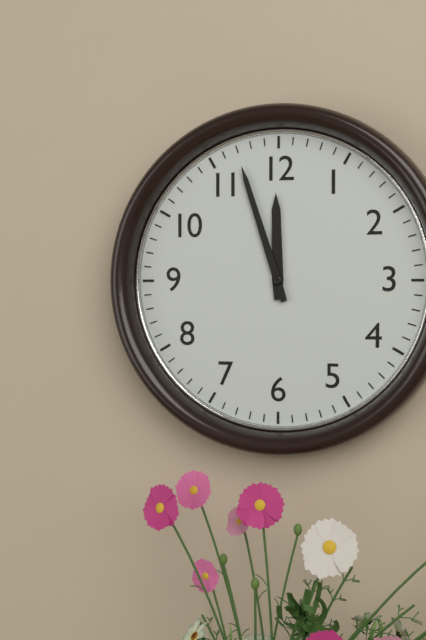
11:57
